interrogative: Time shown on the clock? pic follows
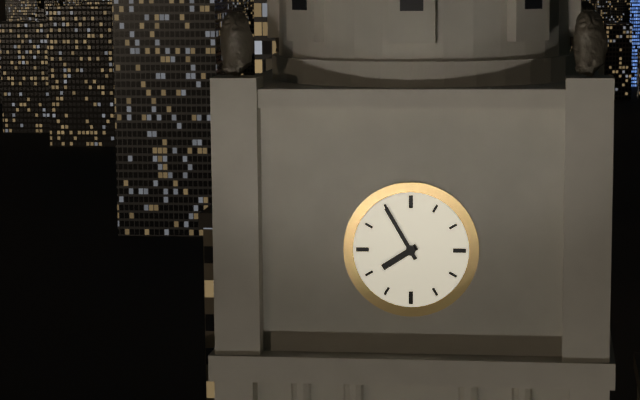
7:55
